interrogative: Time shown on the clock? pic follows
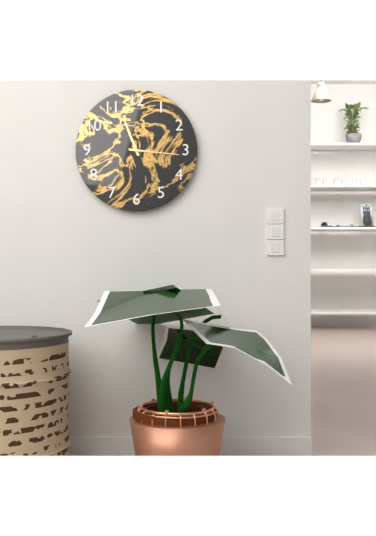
11:16
